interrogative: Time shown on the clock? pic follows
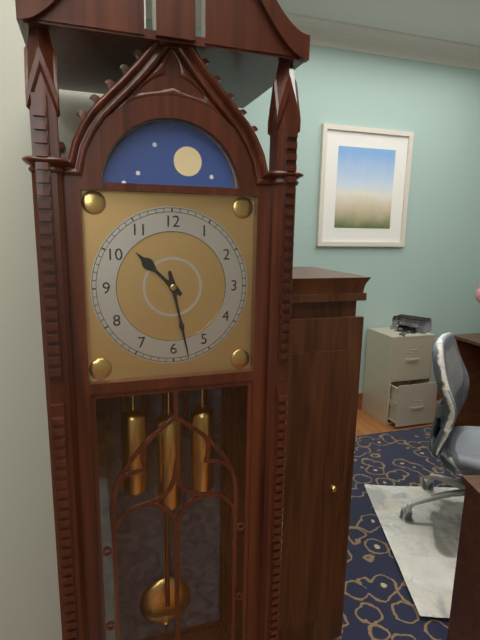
10:28
